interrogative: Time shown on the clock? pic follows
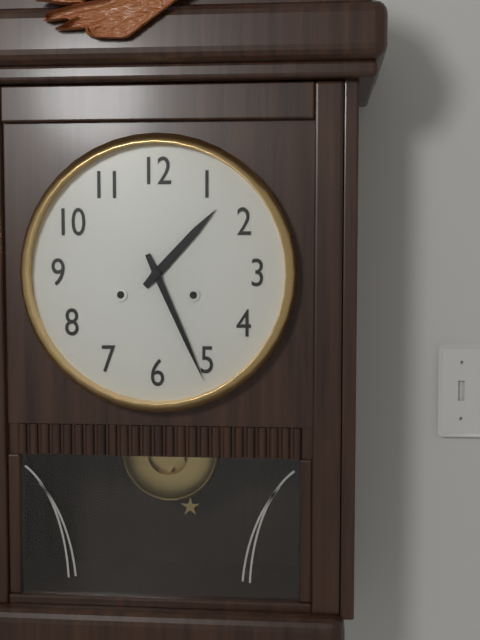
1:26
